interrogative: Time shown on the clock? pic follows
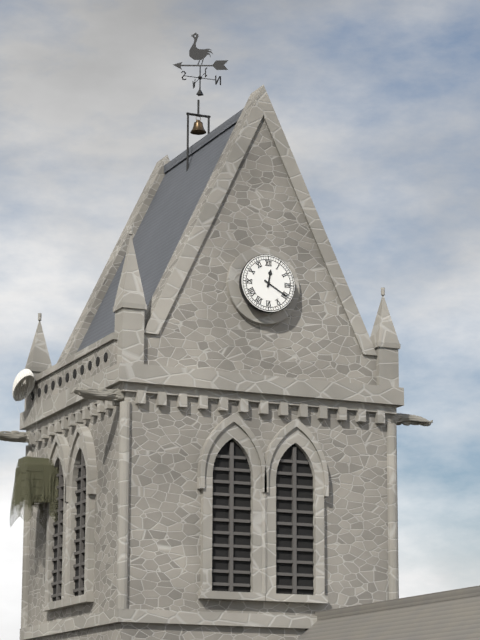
12:20
